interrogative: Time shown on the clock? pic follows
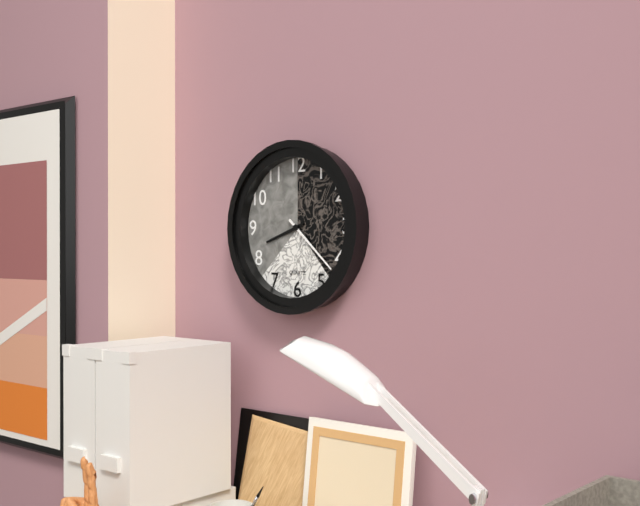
8:22
